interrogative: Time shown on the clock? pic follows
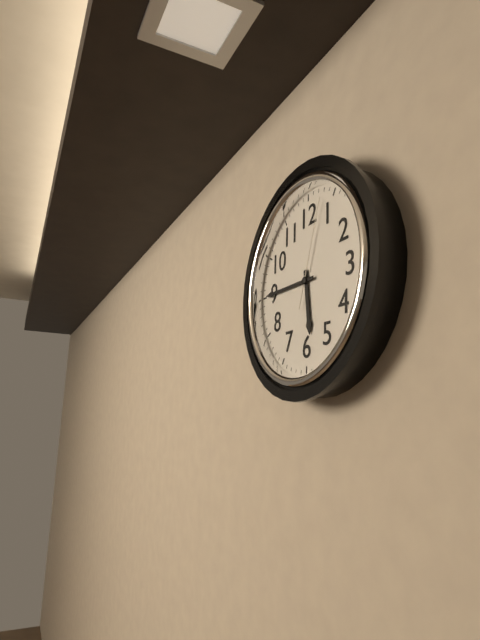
5:45:03
